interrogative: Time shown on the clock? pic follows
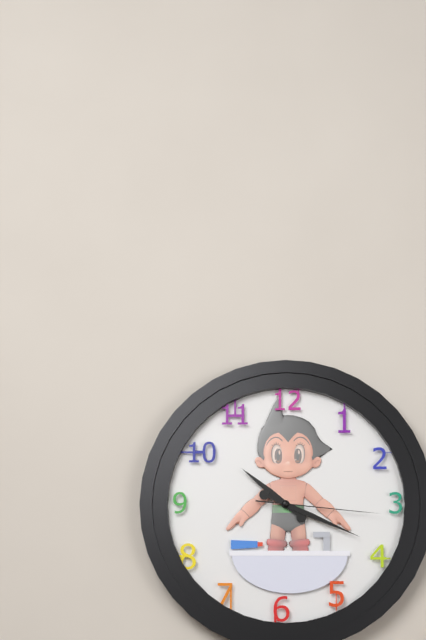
10:19:16
